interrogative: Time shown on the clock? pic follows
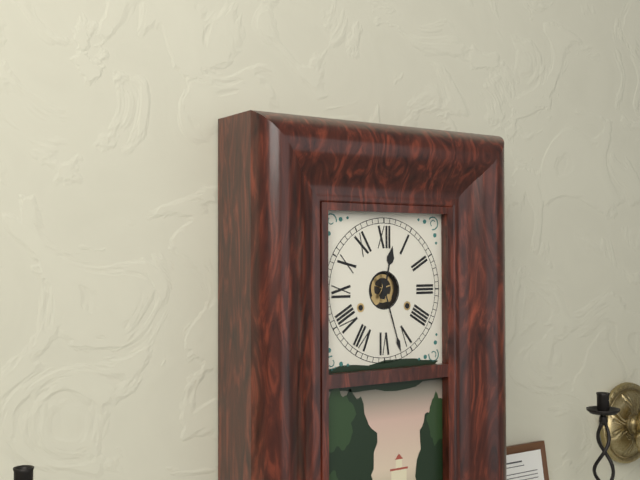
12:27
